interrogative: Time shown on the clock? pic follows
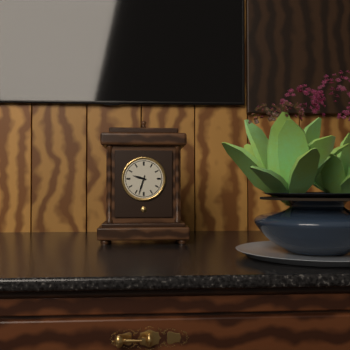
9:33
